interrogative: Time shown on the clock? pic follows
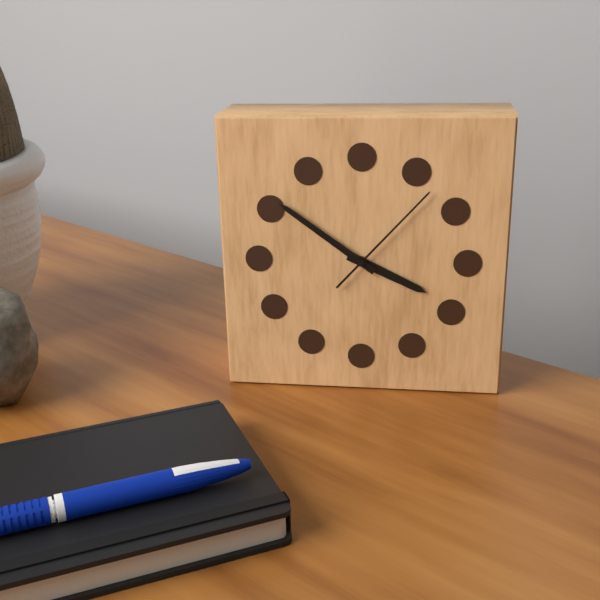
3:51:07
